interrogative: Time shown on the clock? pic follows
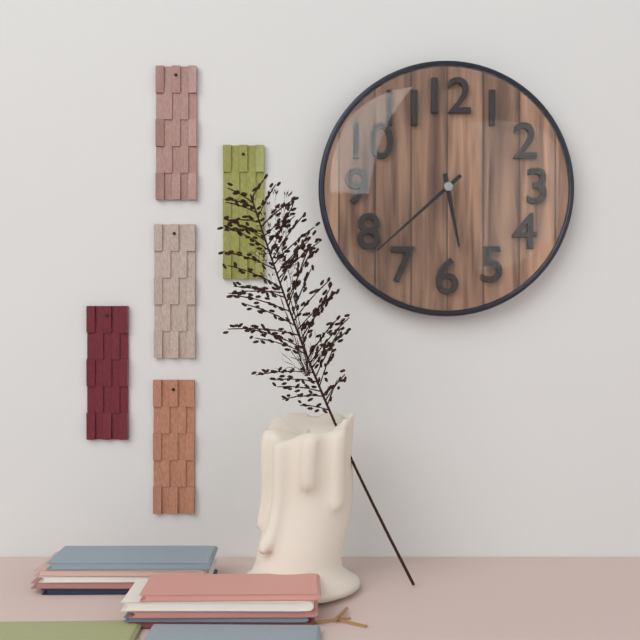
5:38
